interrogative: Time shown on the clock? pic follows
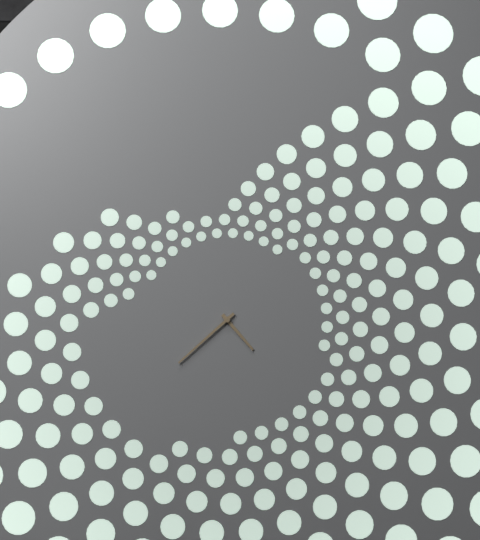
4:38
